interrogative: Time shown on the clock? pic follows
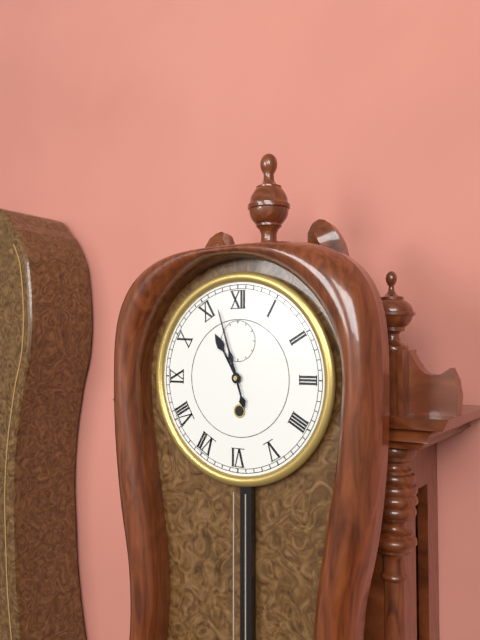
10:57
